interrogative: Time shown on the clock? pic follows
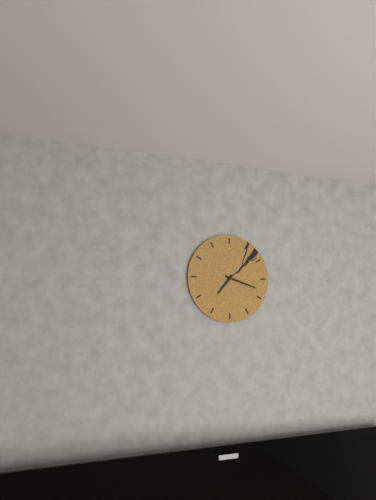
7:18
